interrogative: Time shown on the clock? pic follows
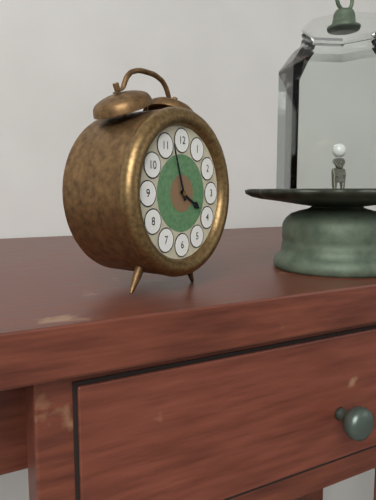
3:57
